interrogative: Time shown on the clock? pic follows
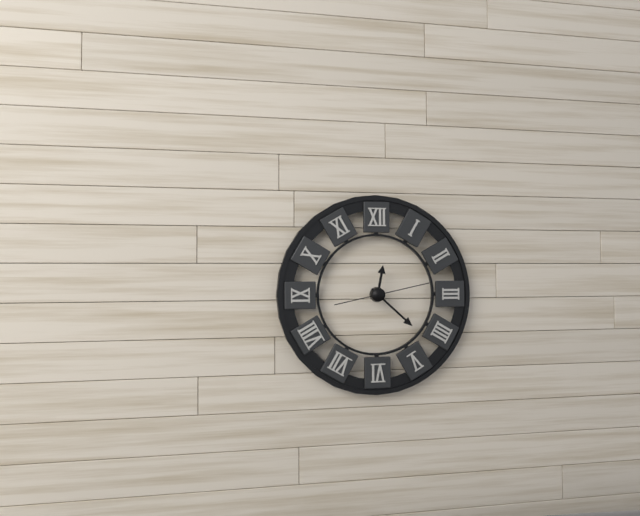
12:22:13
